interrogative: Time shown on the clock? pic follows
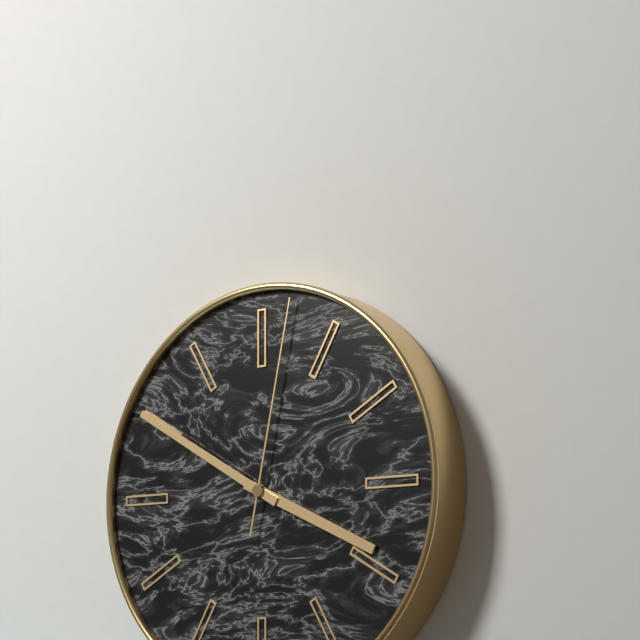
3:50:02
